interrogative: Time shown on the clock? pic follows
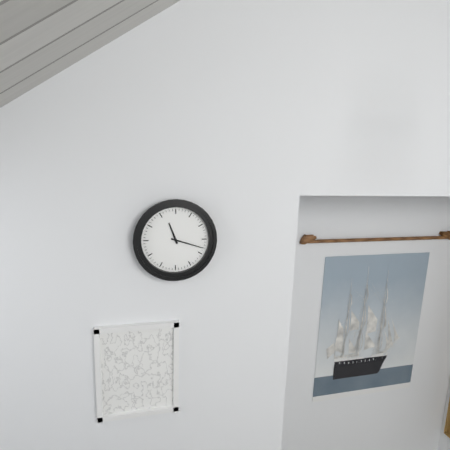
11:18
